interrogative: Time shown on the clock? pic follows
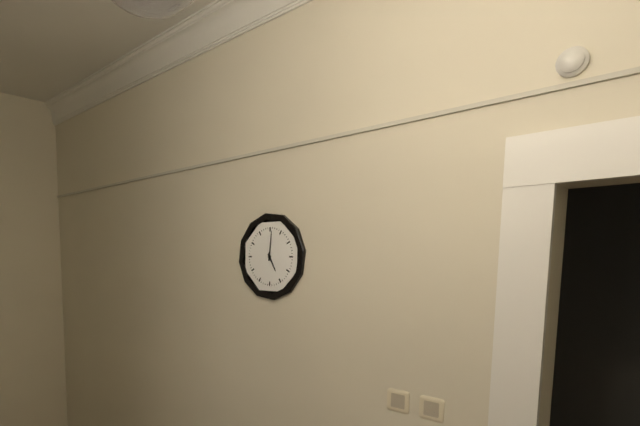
5:01
